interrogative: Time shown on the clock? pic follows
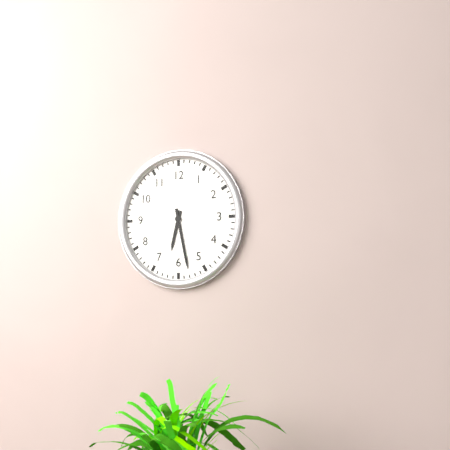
6:28
